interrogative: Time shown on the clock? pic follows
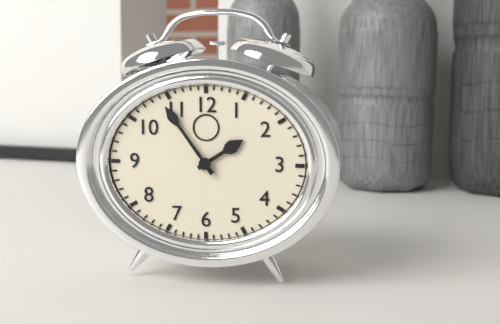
1:54
